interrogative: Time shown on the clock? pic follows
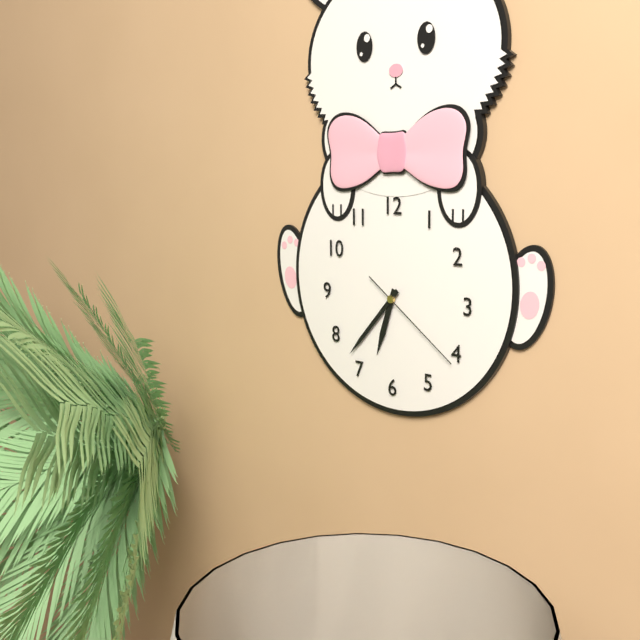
6:37:21
